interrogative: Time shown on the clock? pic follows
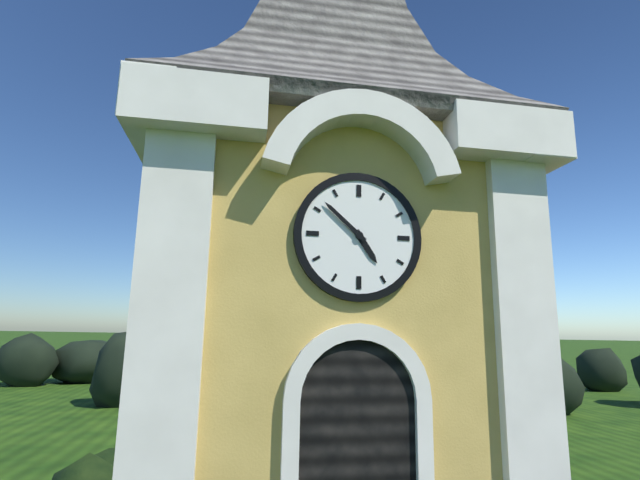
4:52
